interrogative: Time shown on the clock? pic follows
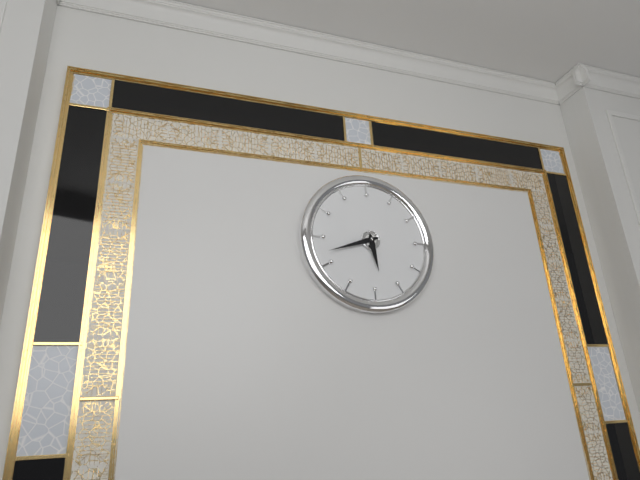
5:42
